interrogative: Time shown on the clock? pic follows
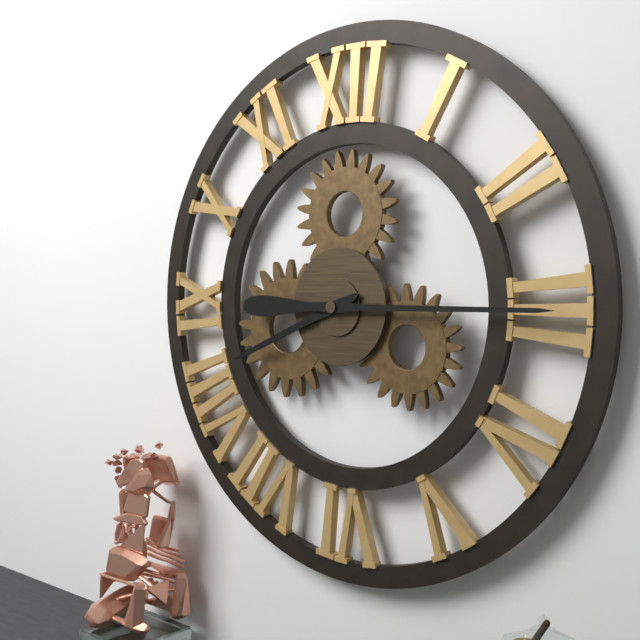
8:15
